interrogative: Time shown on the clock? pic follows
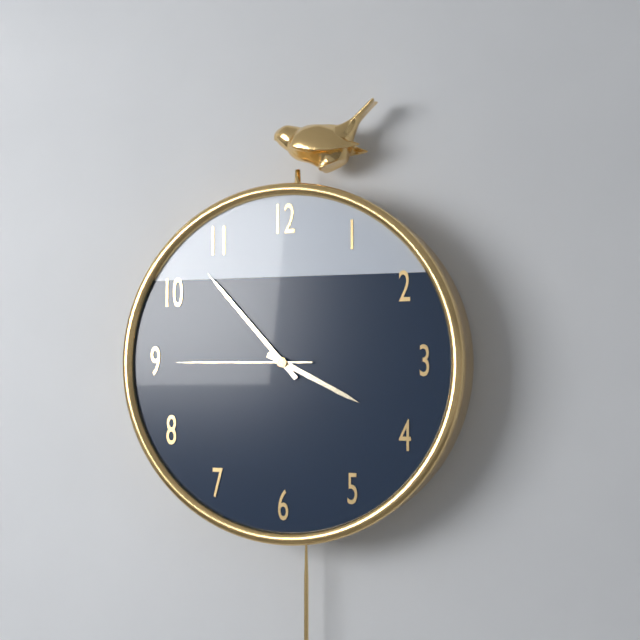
3:53:45
